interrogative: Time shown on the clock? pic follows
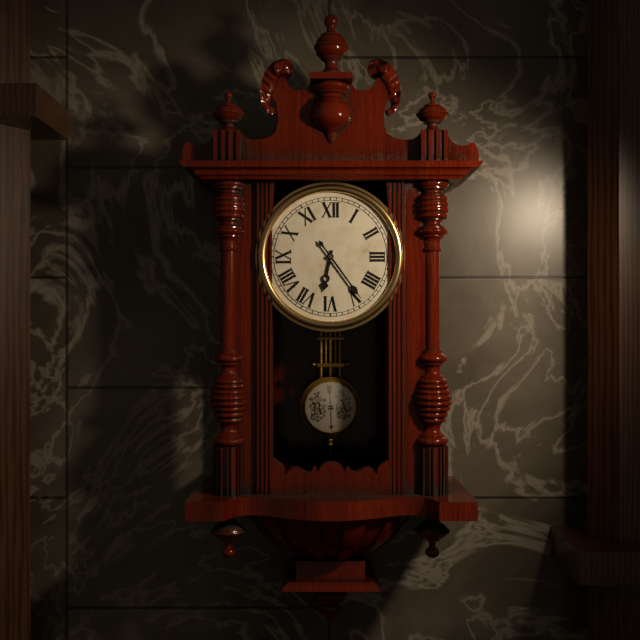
6:24
